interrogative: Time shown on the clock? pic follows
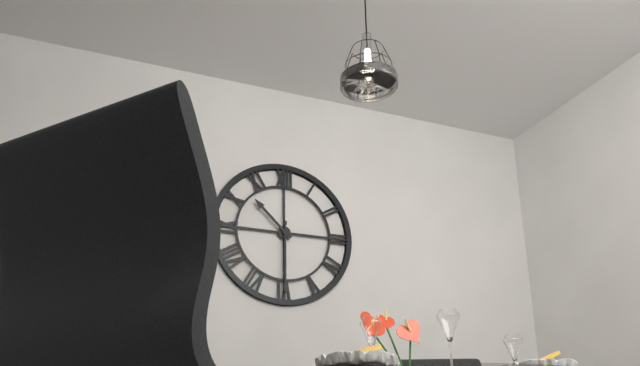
10:30
